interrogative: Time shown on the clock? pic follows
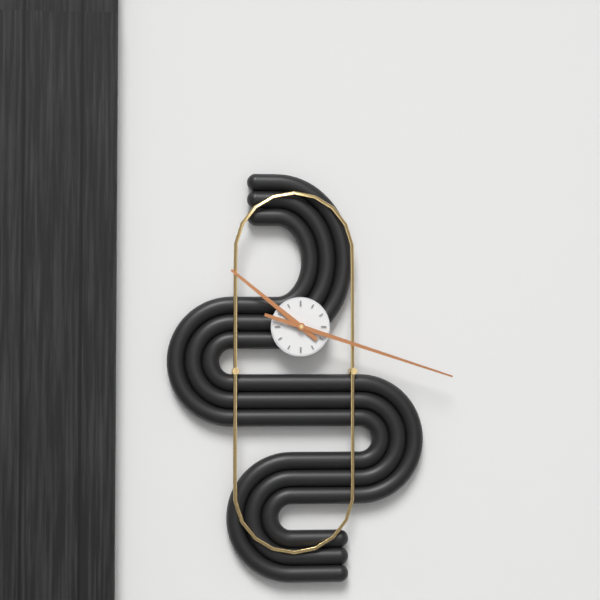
10:18
